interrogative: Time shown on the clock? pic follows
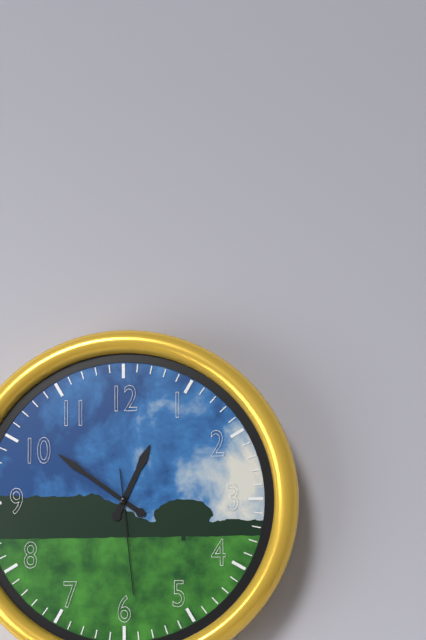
12:51:29
